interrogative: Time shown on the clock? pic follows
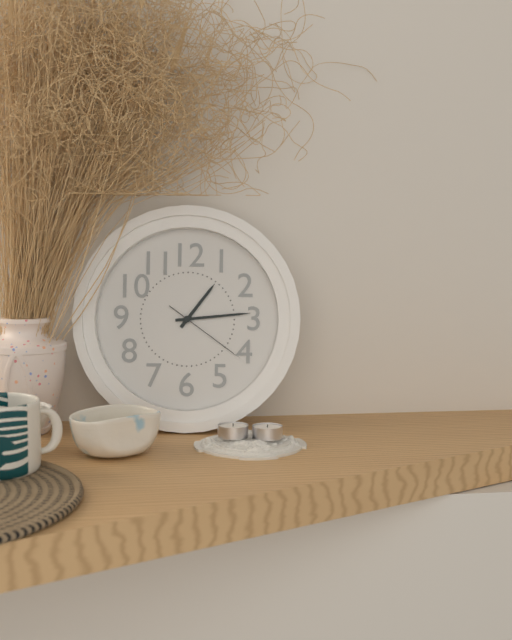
1:14:21
